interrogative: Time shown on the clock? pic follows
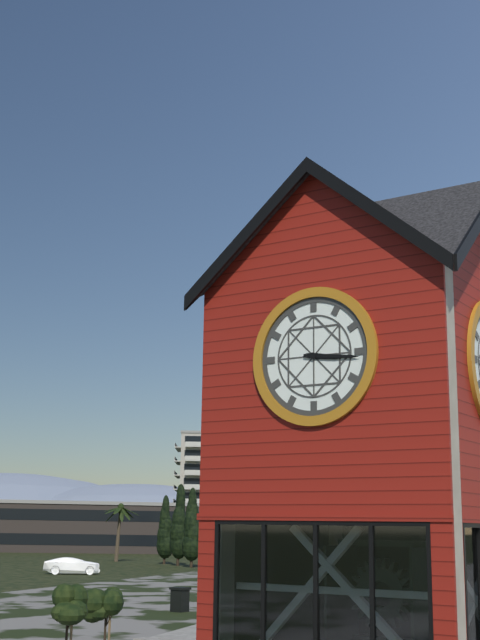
3:16
